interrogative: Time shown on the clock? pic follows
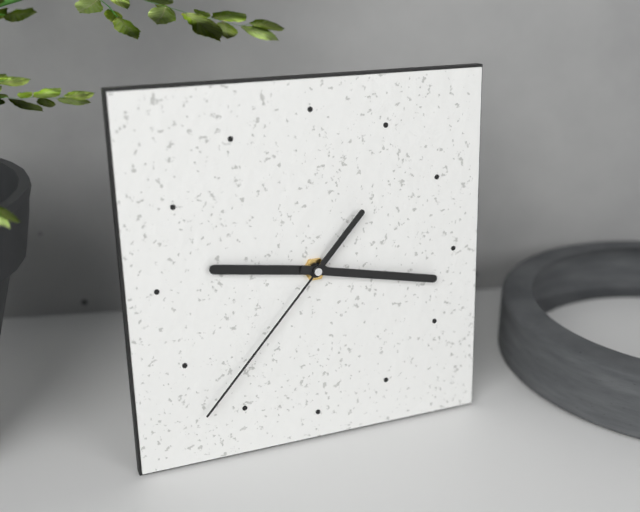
9:17:37
